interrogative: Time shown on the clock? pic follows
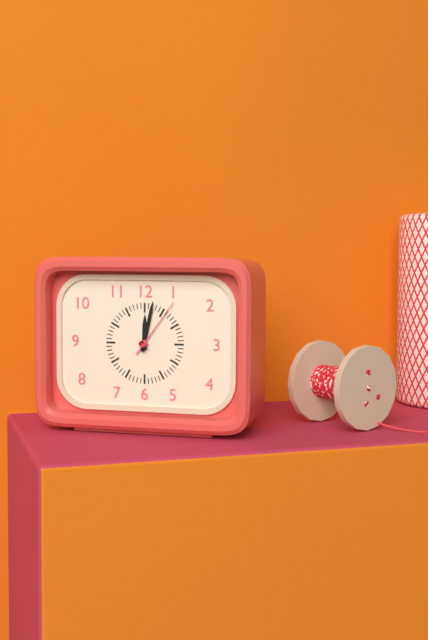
12:02:06
